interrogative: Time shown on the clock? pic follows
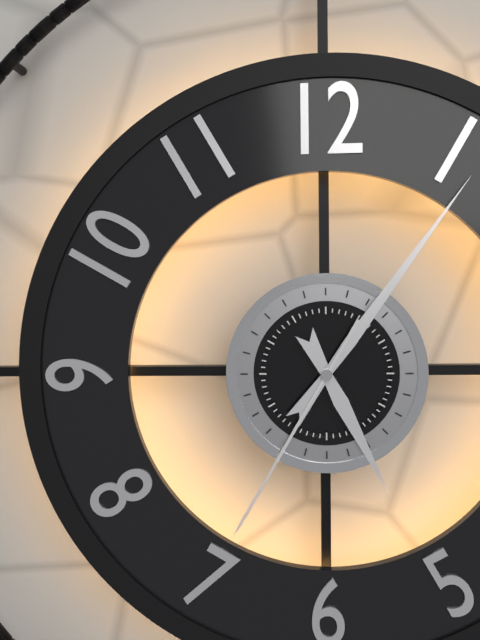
5:06:35
